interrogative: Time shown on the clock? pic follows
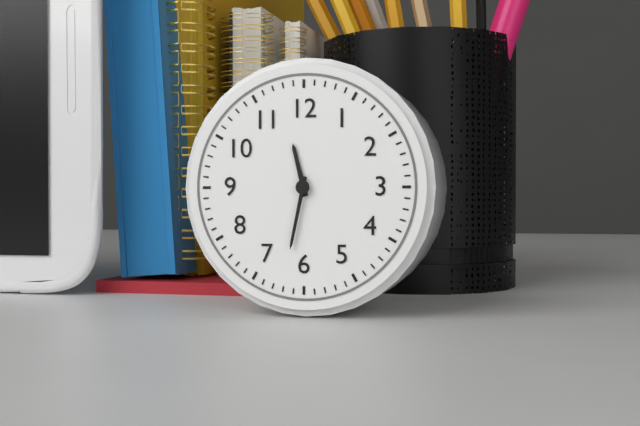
11:32
